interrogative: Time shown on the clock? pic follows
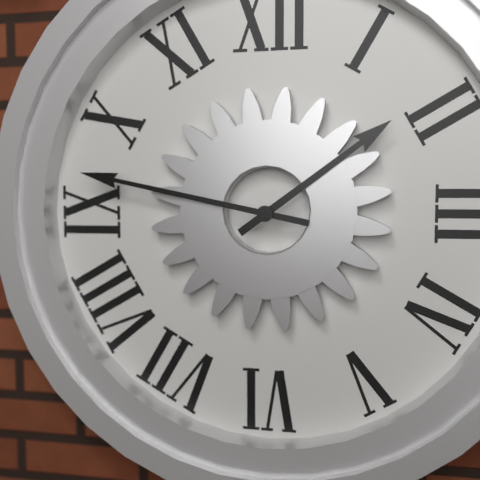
1:47
